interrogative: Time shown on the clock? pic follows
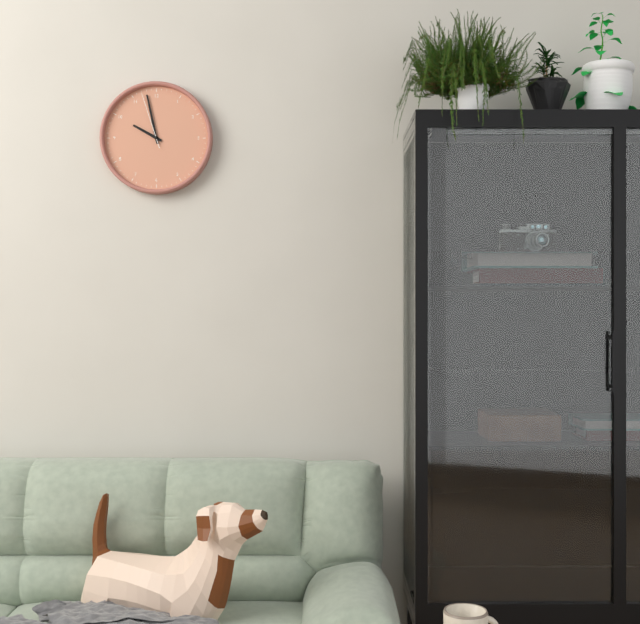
9:58:57
